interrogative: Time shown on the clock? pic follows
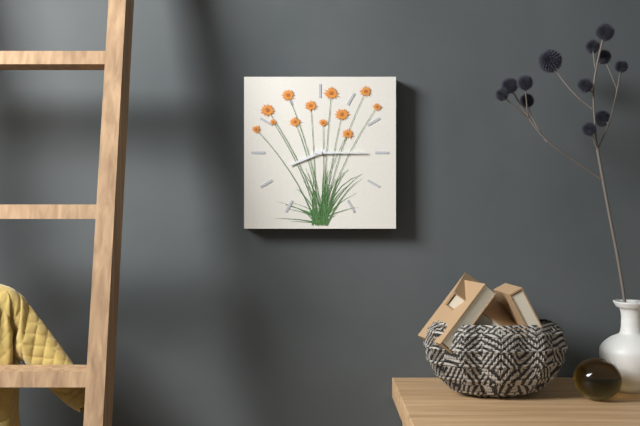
8:15
